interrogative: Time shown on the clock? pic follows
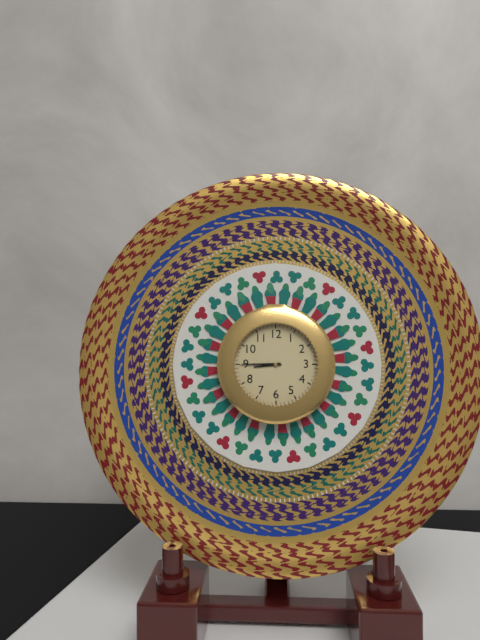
8:45
